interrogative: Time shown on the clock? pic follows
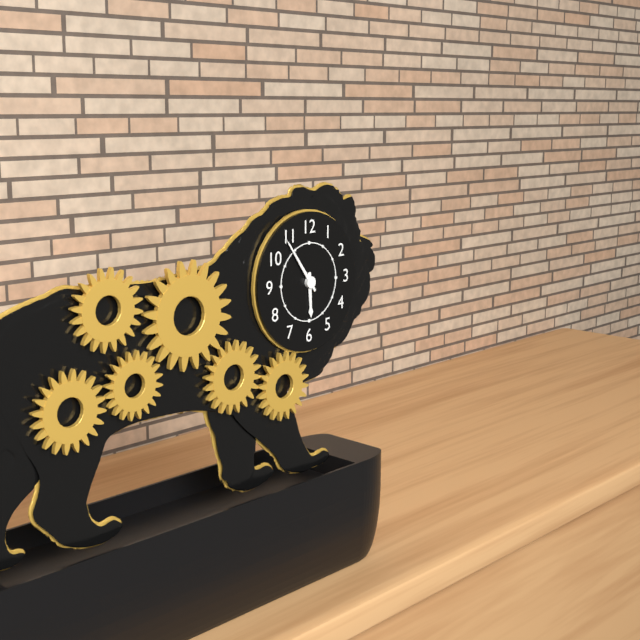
5:54
